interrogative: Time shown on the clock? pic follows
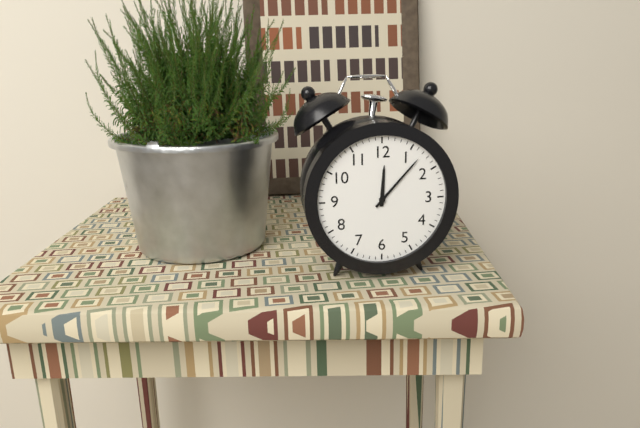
12:07
